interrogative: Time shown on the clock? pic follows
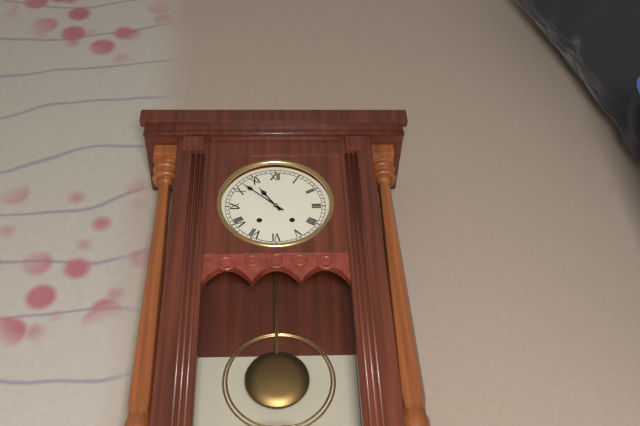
10:52
